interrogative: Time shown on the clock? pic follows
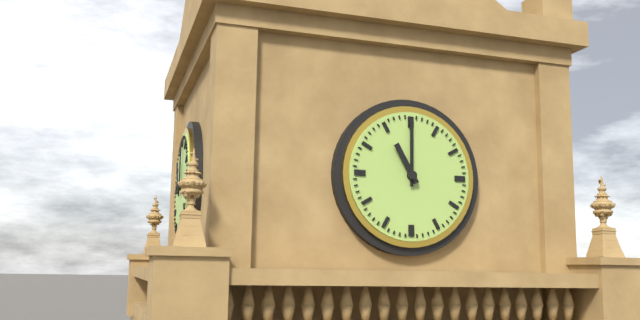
11:00
